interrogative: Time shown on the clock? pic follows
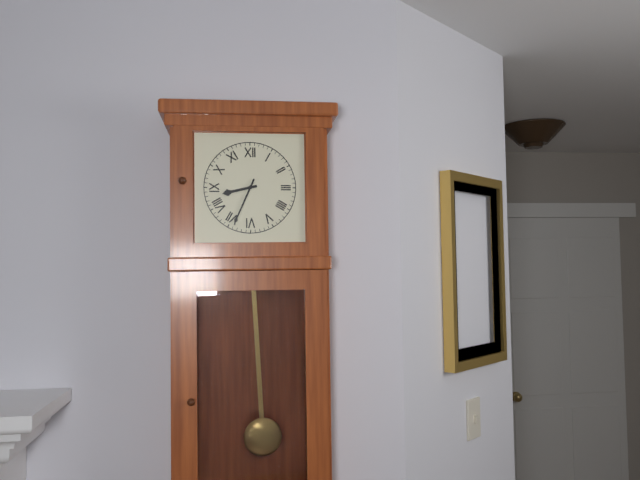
8:34
